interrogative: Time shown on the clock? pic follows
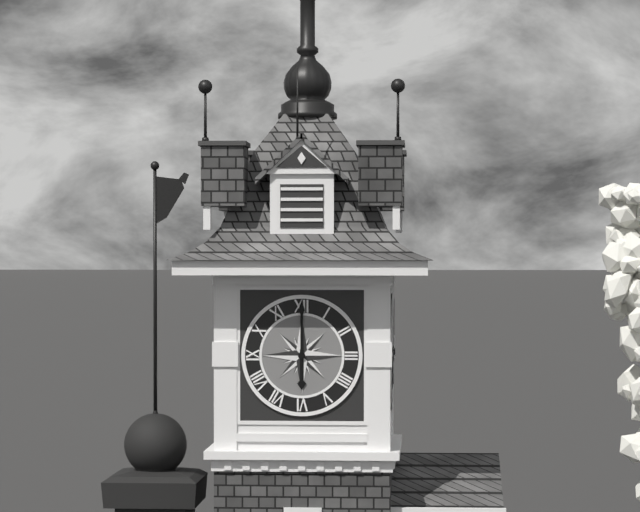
6:00
